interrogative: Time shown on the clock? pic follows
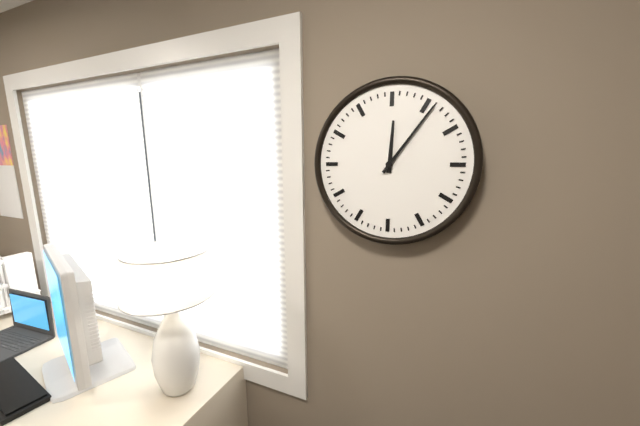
12:06
